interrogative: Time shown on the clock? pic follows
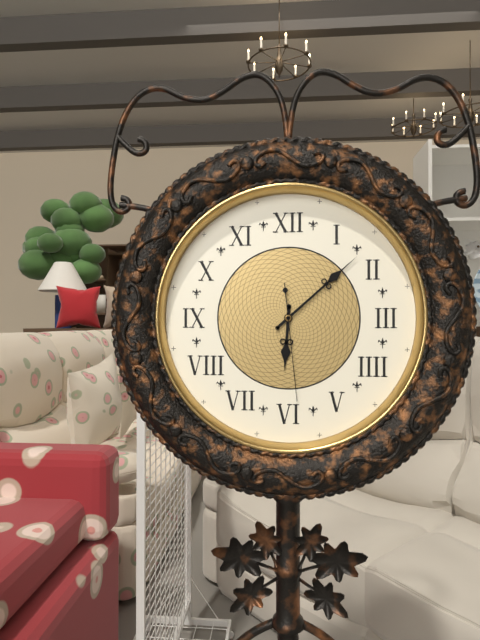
6:08:29
